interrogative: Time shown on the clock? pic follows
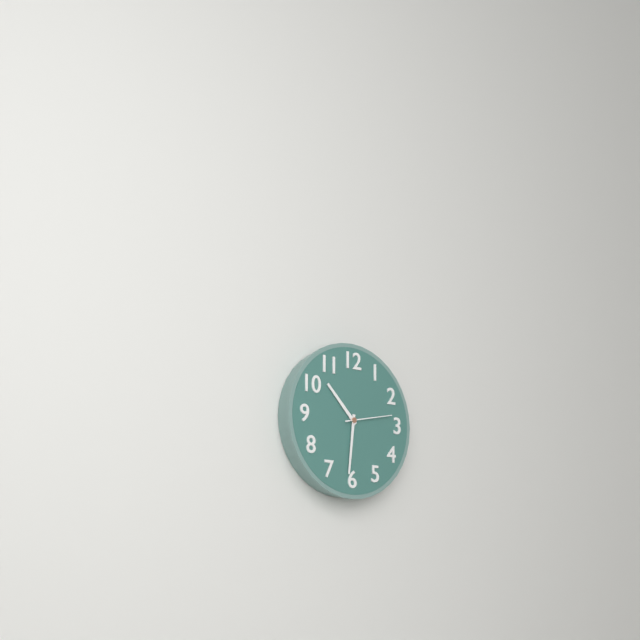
10:31
